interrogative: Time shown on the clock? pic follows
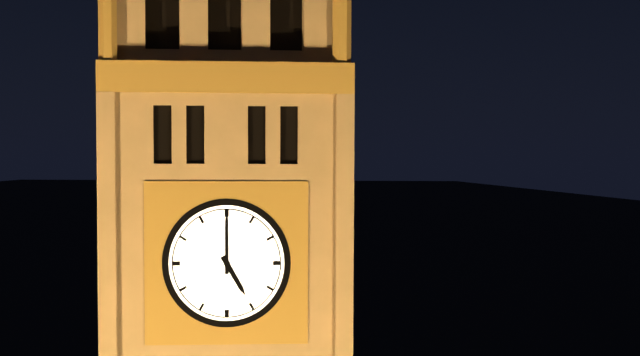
5:00
